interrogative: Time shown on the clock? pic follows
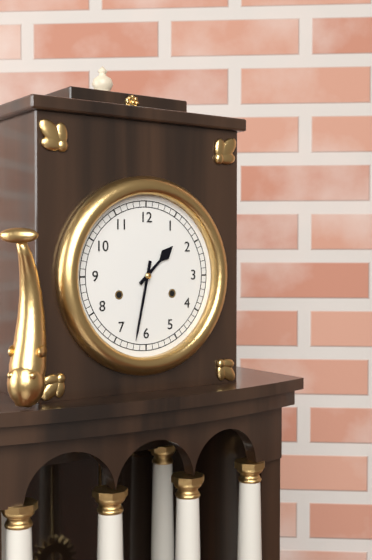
1:32
